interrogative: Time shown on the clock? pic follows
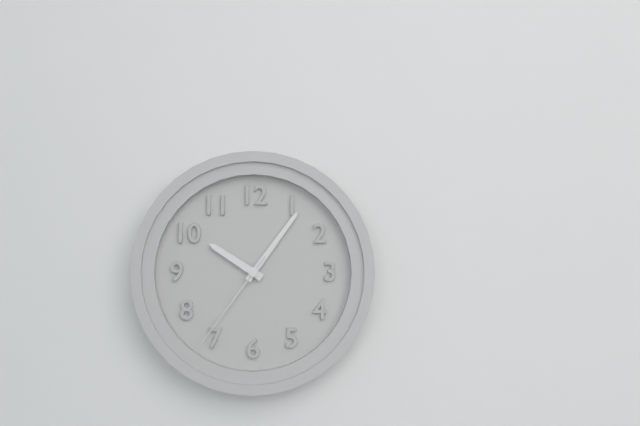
10:06:36
